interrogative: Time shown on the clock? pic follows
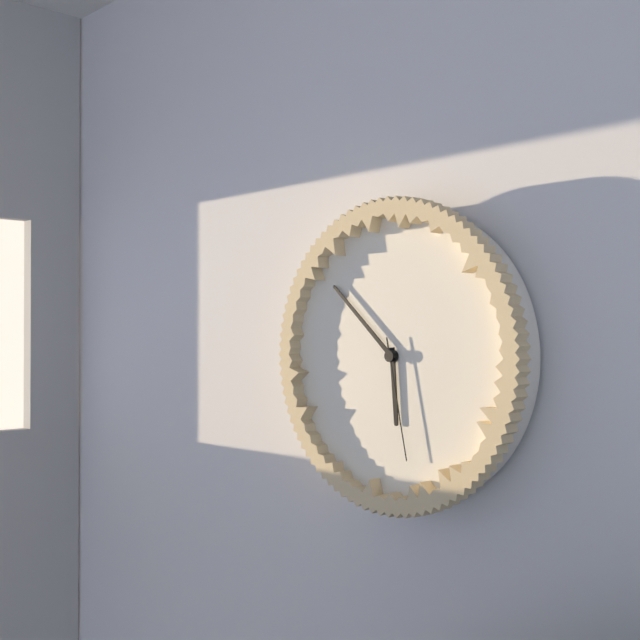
5:52:28
